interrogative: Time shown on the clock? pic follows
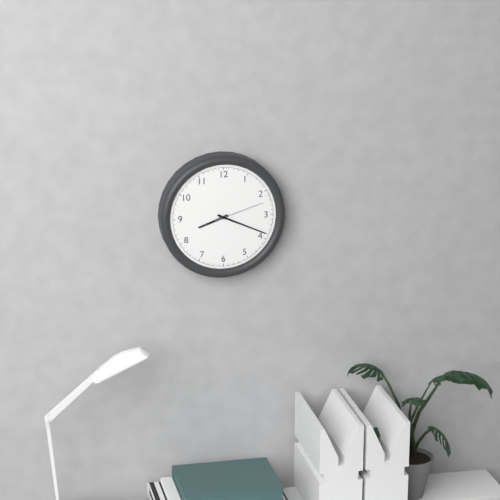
8:19:12
